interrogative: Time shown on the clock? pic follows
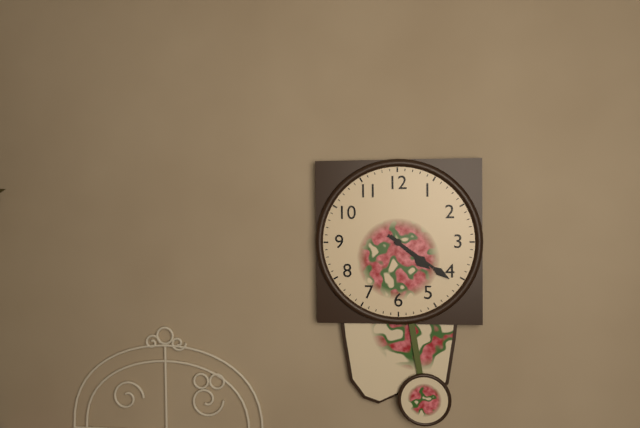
4:21
